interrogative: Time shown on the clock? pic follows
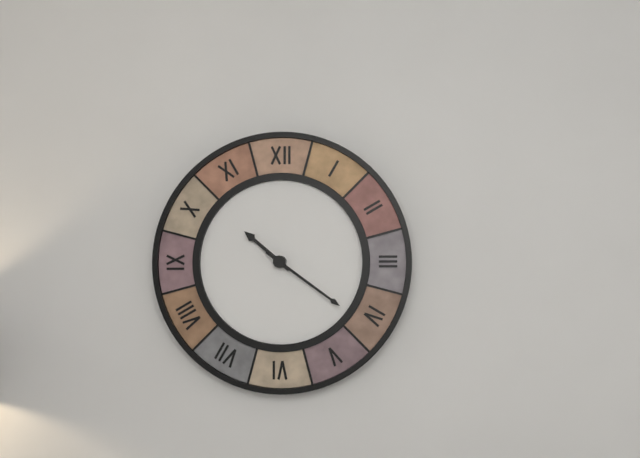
10:21
